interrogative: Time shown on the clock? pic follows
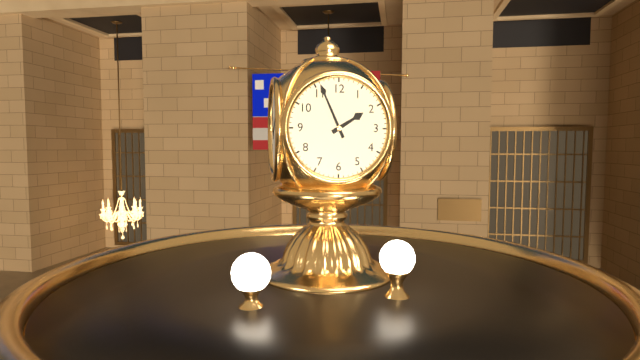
1:56
